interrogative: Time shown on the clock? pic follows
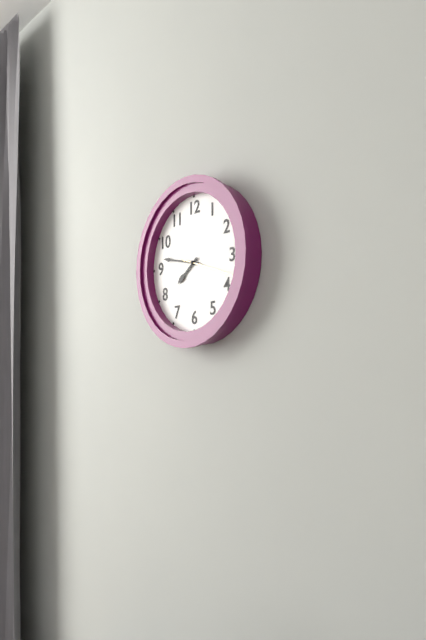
7:47:18
